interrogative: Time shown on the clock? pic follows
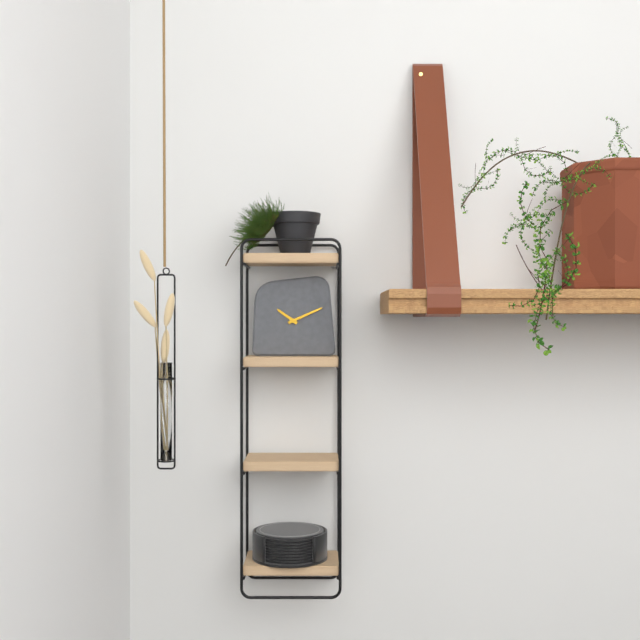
10:11
